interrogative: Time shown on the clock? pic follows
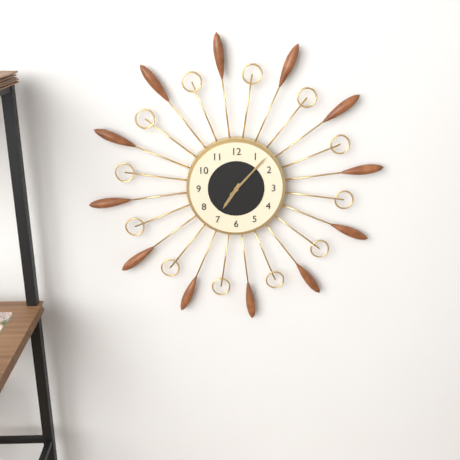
7:07
